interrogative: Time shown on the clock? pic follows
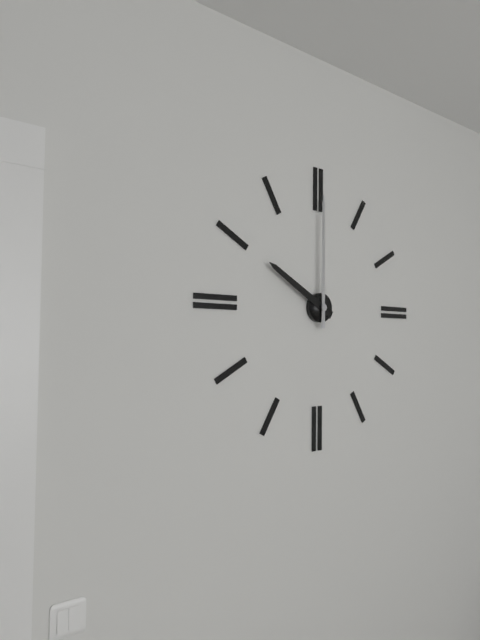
10:00
